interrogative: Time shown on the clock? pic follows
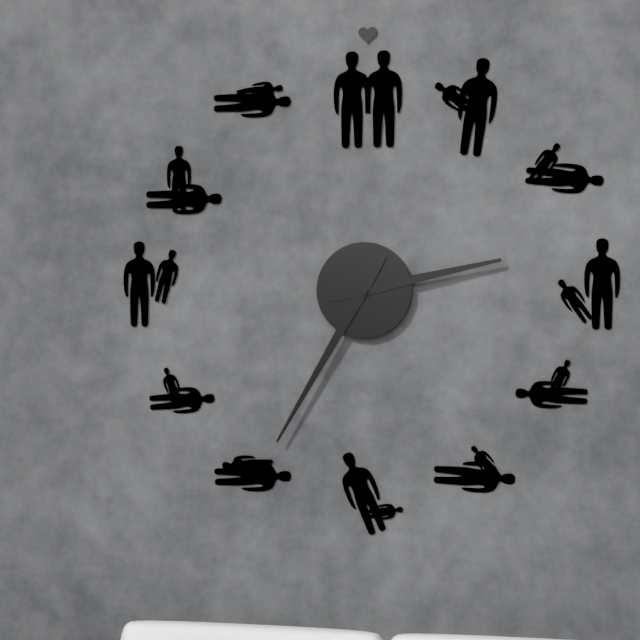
2:35
